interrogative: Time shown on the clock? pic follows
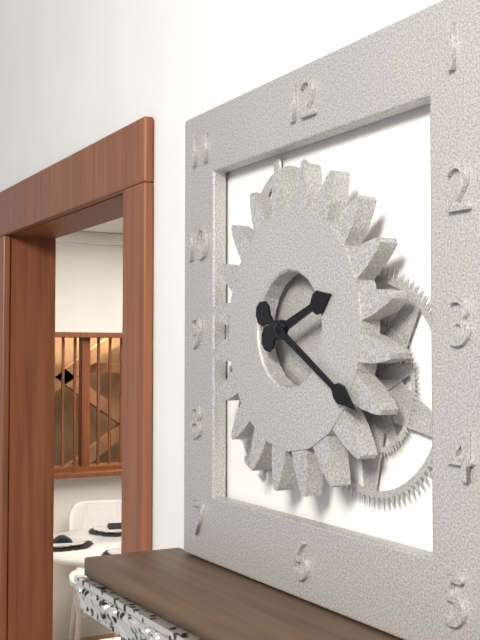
2:20
